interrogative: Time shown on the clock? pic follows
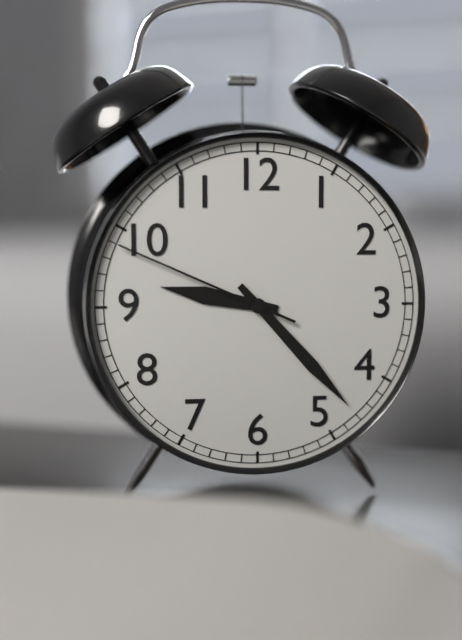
9:23:49
